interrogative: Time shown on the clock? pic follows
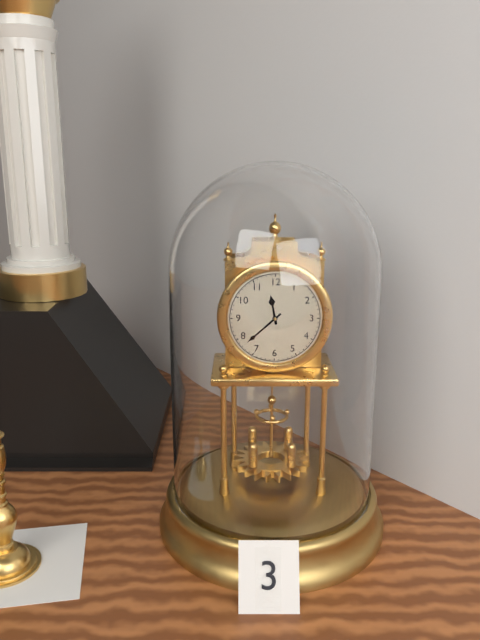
11:38
